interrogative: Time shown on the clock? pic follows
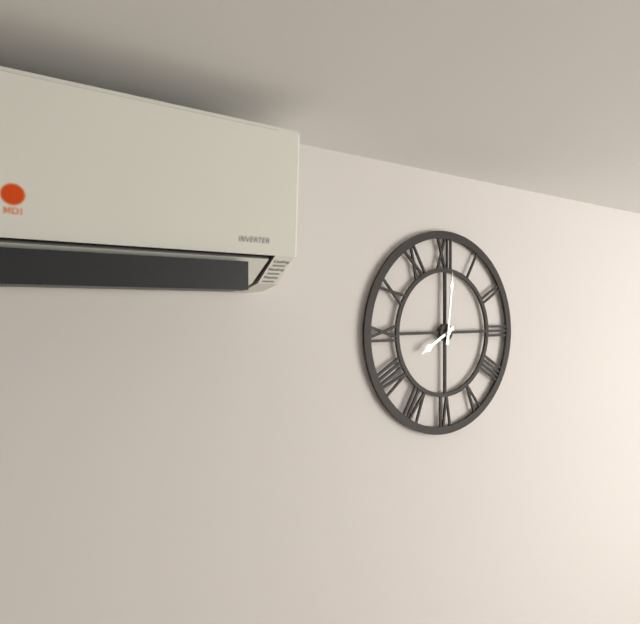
8:01
